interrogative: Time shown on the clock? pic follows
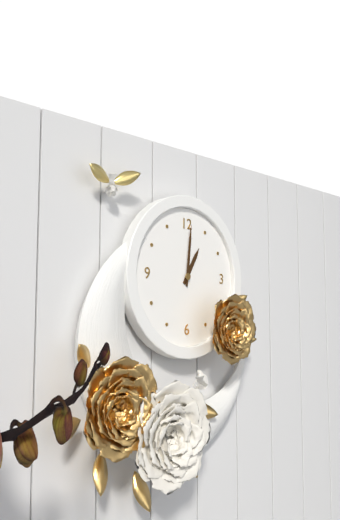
1:01
